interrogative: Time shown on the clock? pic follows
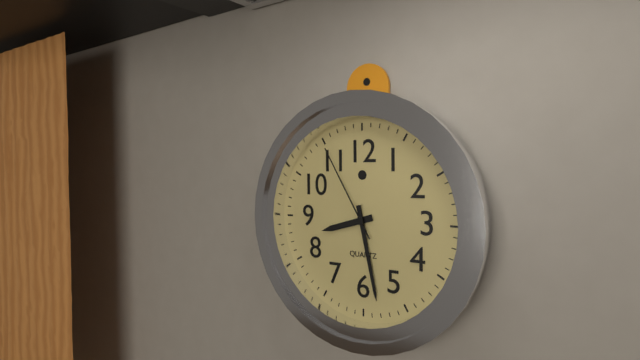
8:28:55
